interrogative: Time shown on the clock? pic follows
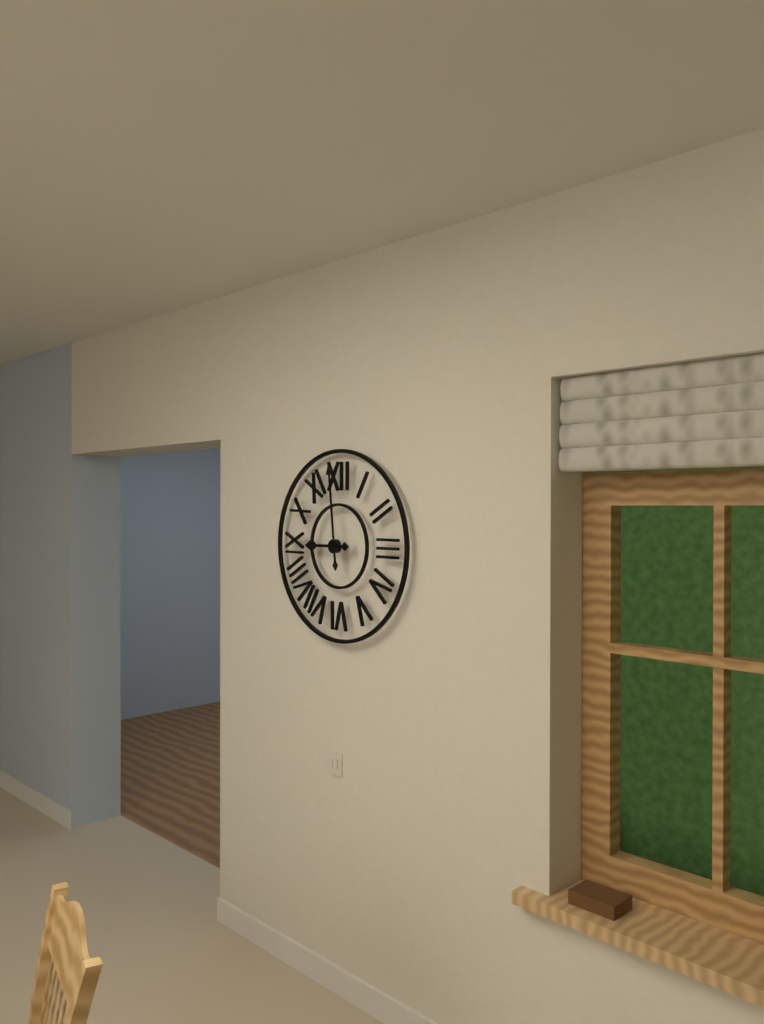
8:59
